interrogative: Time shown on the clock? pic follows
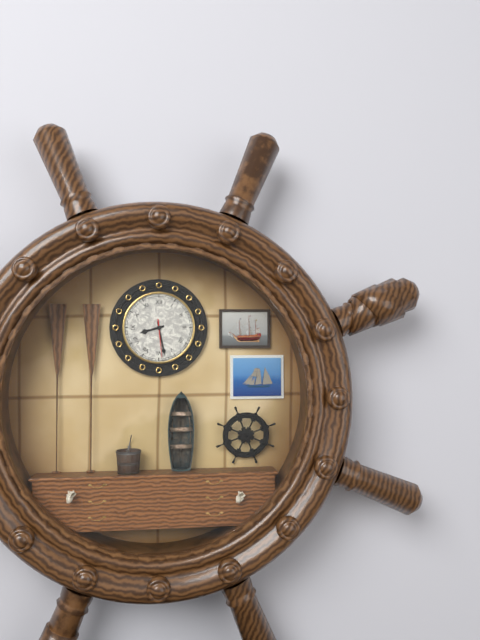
8:28
